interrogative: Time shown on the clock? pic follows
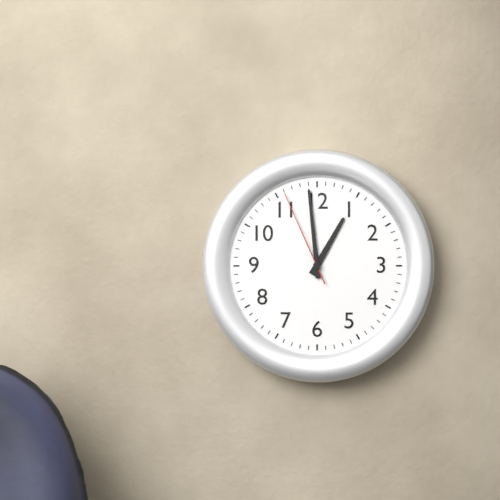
12:59:56
